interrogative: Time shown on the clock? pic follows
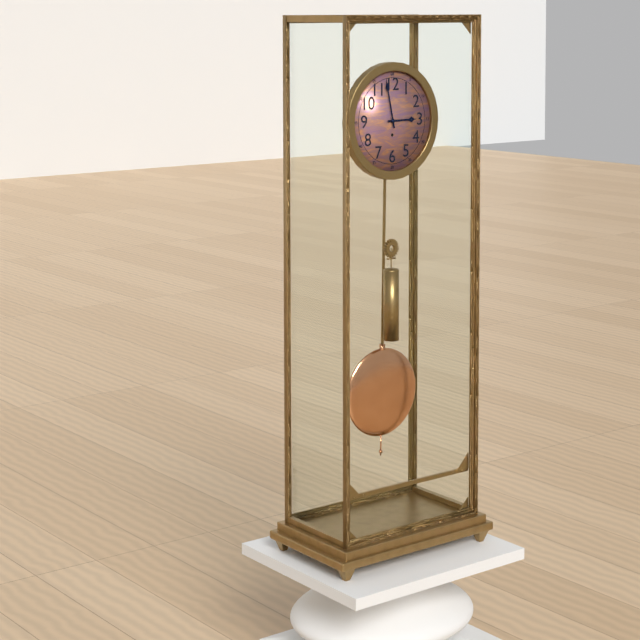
2:58
